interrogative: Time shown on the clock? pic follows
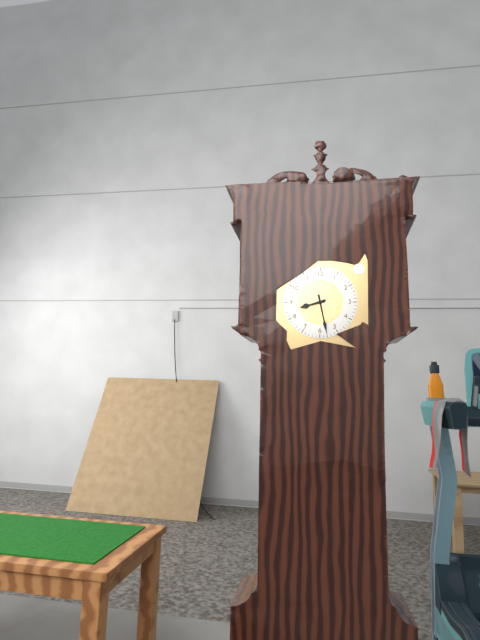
8:28
